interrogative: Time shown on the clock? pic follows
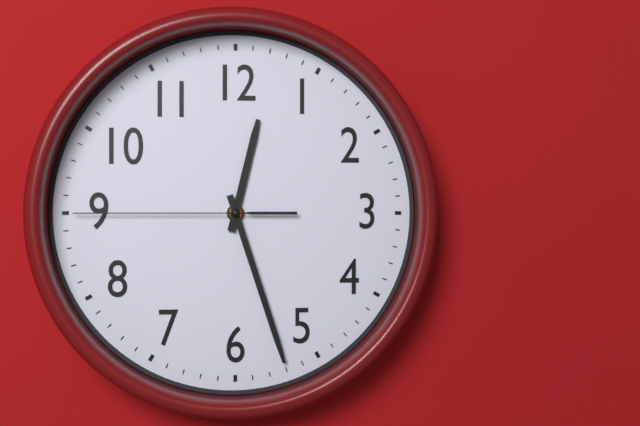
12:27:45
